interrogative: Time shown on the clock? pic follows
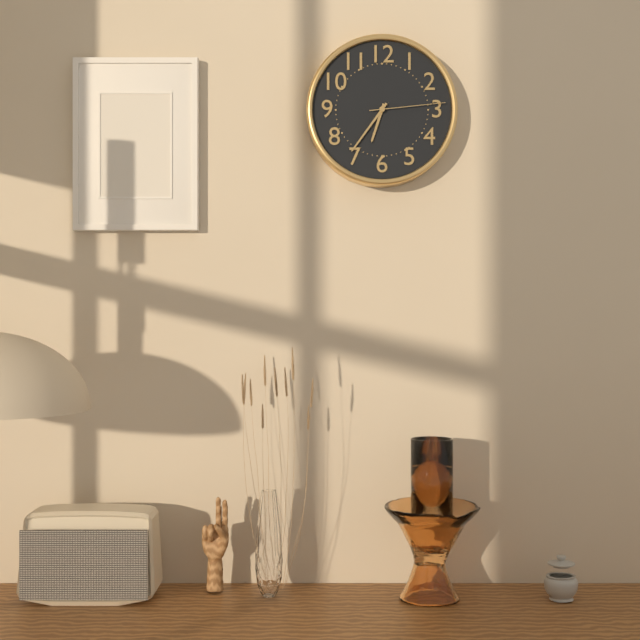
6:36:14
